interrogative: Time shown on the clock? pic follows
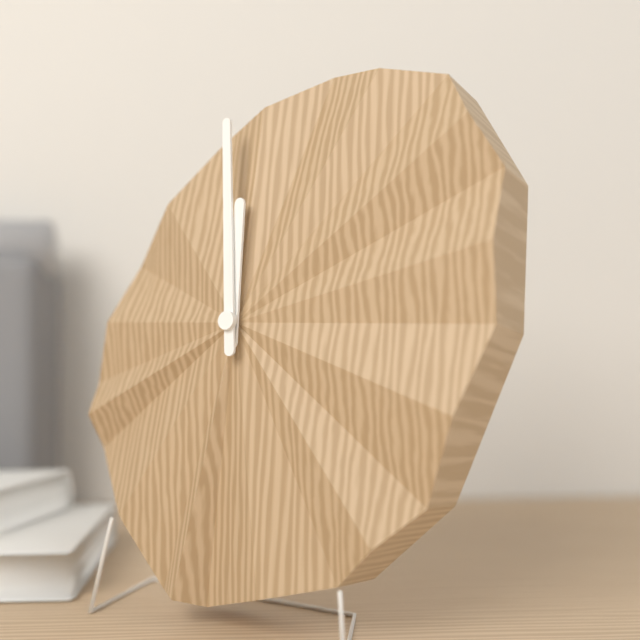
11:59
